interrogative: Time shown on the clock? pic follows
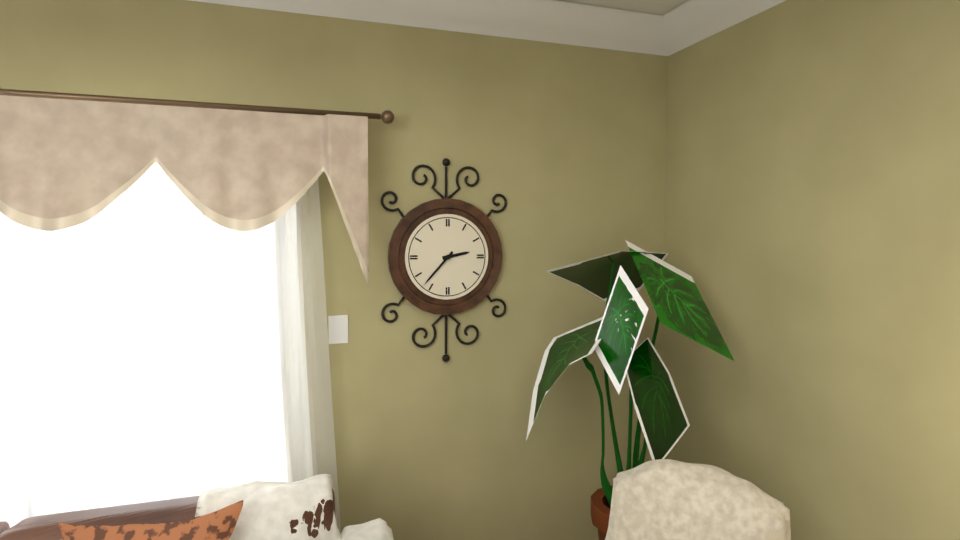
2:37
